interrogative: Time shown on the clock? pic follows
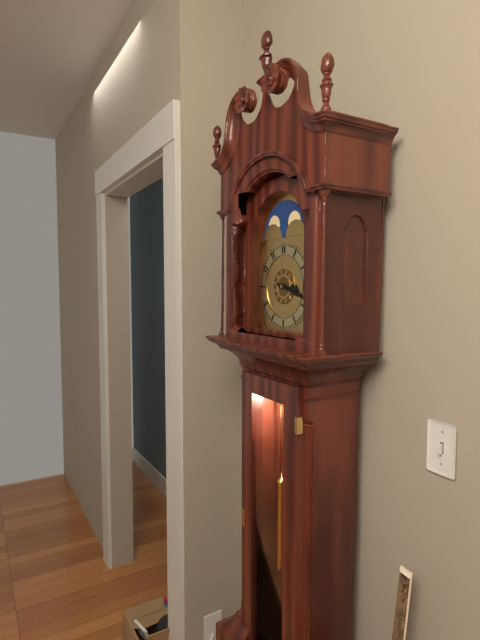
3:18
